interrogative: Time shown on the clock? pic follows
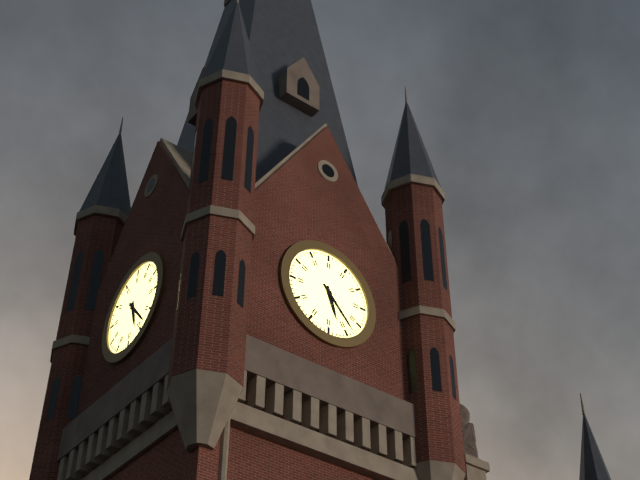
5:23
